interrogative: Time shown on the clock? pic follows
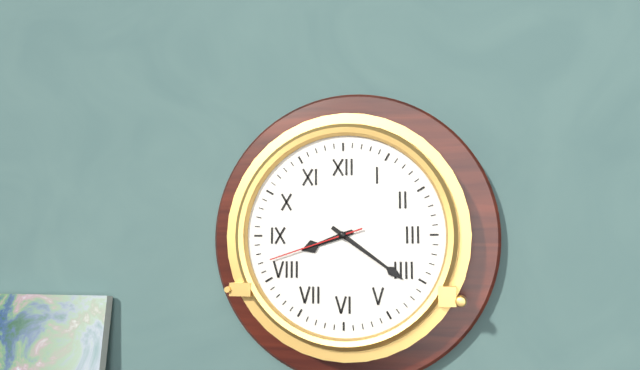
8:21:42
